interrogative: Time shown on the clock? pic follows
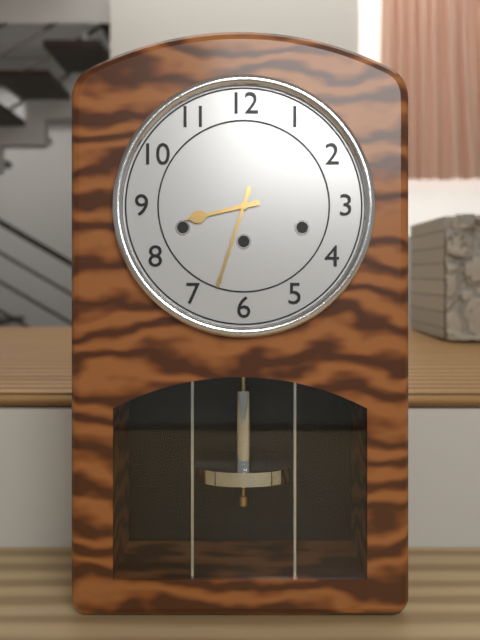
8:33
